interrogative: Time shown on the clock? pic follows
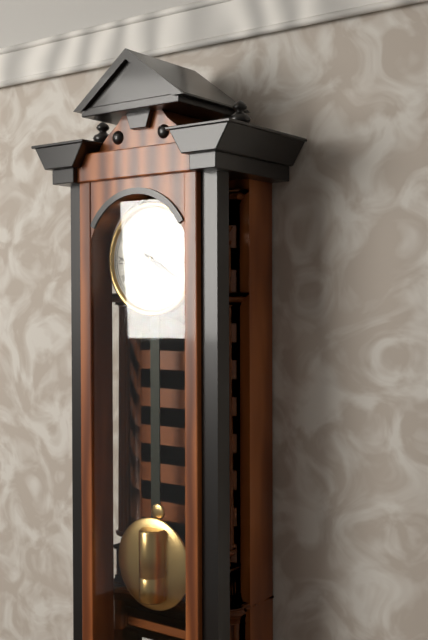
4:20
